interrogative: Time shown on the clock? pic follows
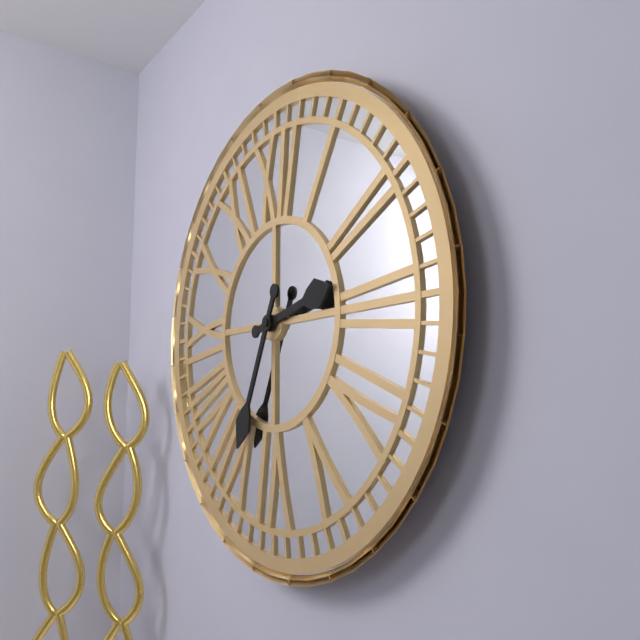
2:34
